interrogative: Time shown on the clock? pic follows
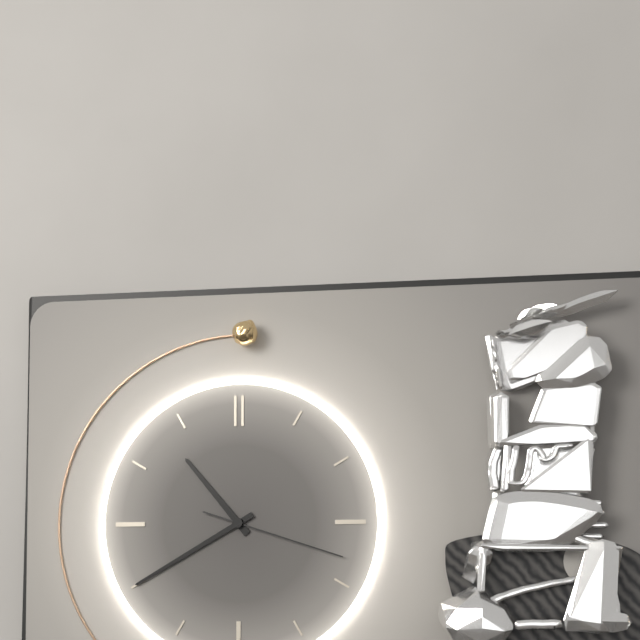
10:40:18
